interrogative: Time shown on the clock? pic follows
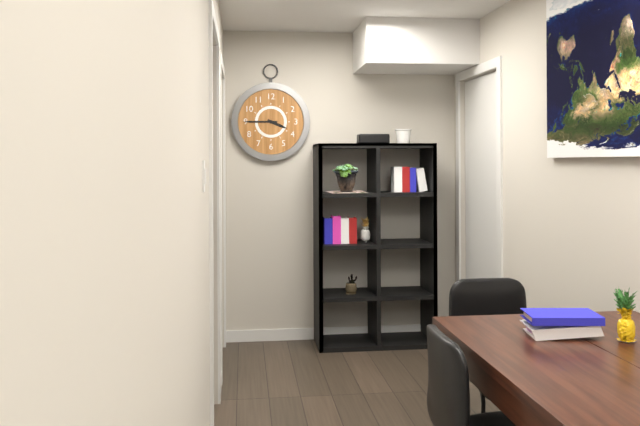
3:45
